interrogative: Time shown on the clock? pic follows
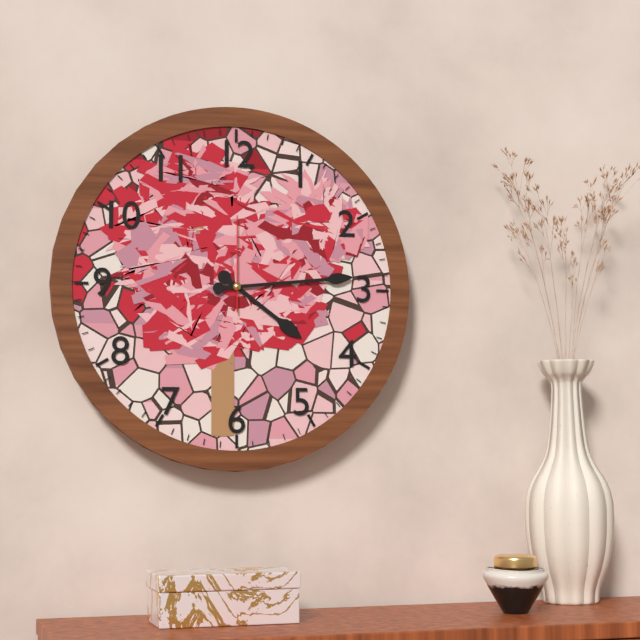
4:14:00
